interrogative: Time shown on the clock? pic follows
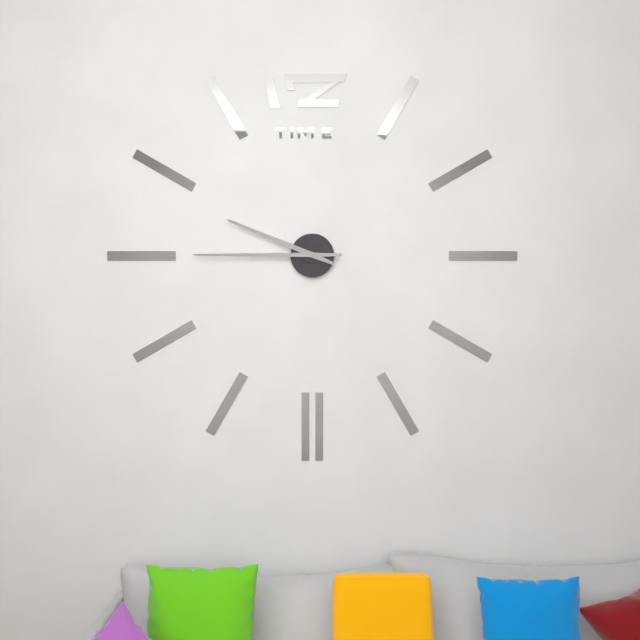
9:45
